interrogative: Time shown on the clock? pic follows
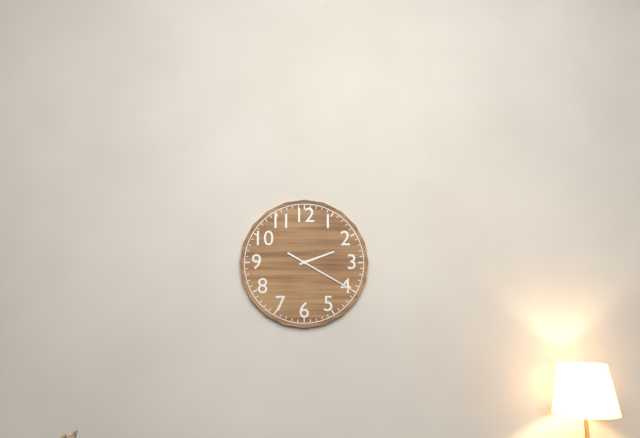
2:20
